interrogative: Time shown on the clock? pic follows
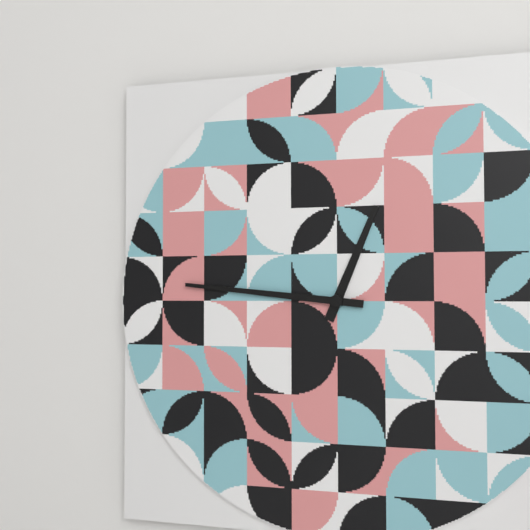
12:46
